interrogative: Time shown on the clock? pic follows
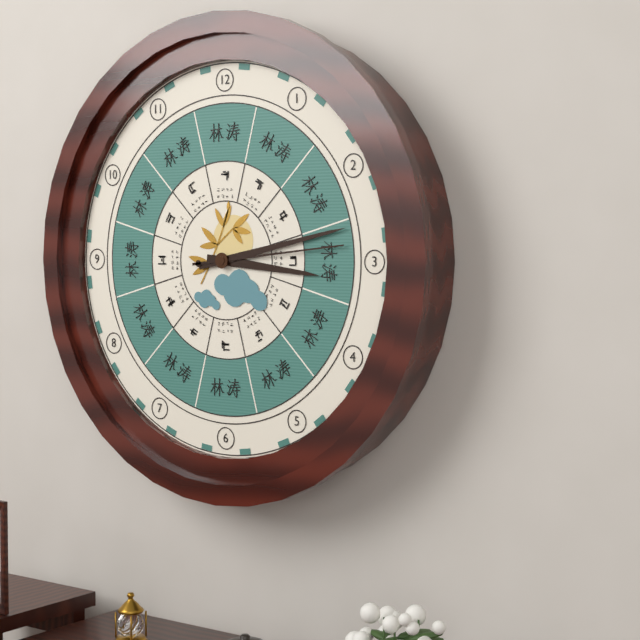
3:13:14
